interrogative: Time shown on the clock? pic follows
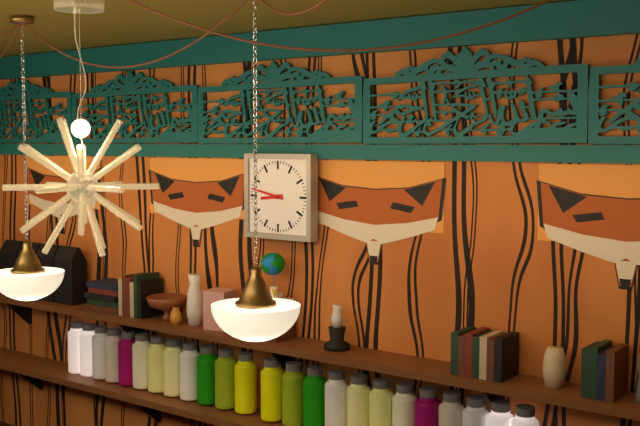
8:47
